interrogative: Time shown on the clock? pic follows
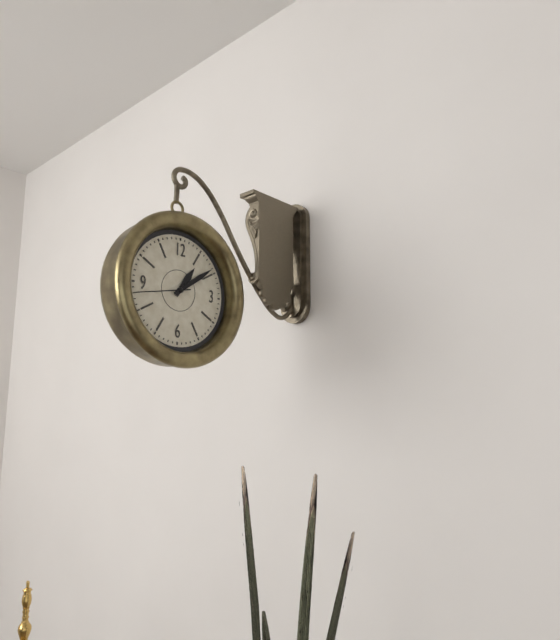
1:09:43
